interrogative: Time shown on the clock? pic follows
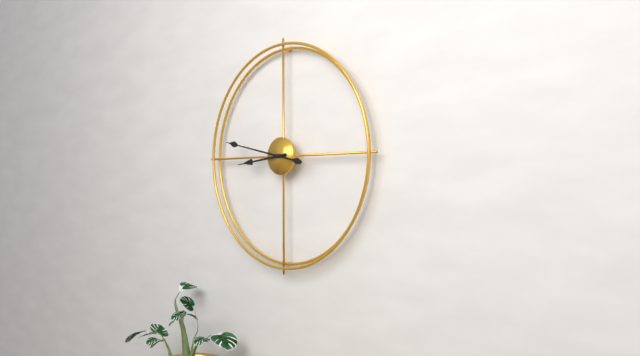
8:47
